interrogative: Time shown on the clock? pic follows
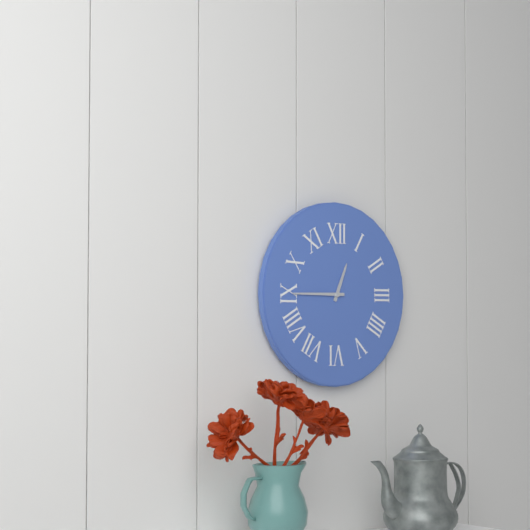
12:45
